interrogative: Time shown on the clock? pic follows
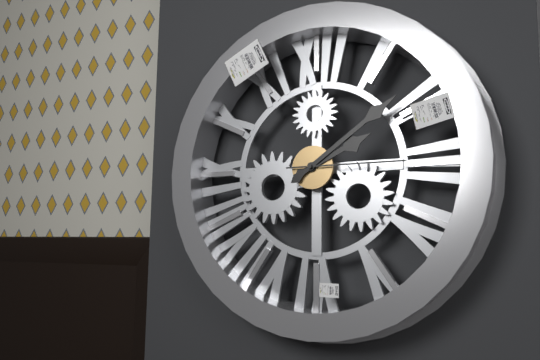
2:09:15
